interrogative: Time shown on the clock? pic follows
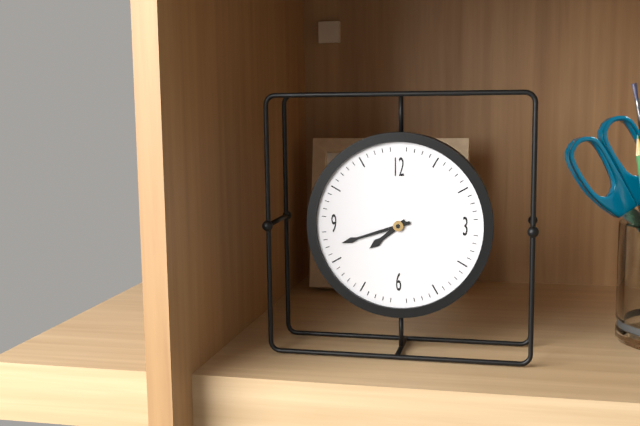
7:42
